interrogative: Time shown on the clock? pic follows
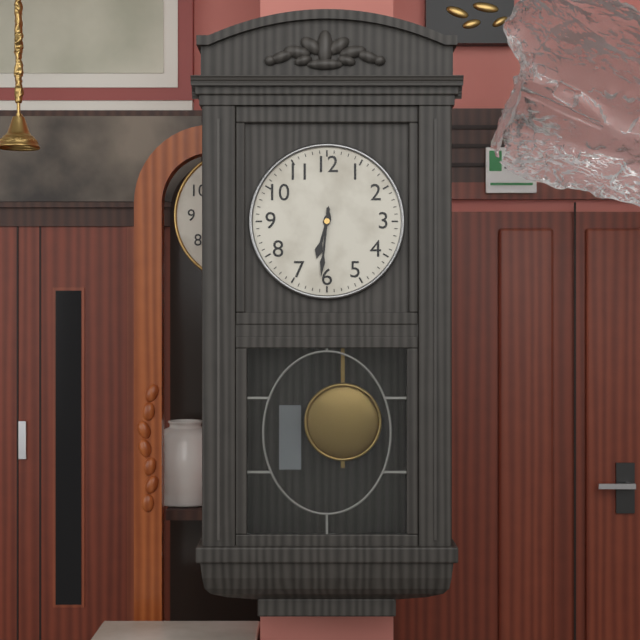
6:31
